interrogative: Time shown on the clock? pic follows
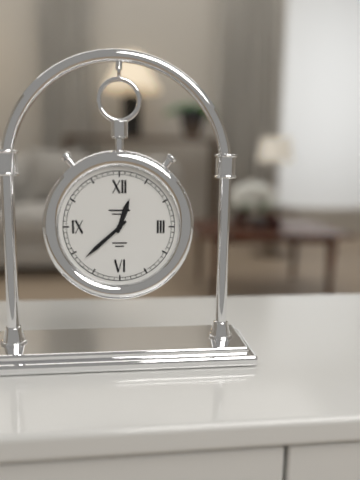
12:38
